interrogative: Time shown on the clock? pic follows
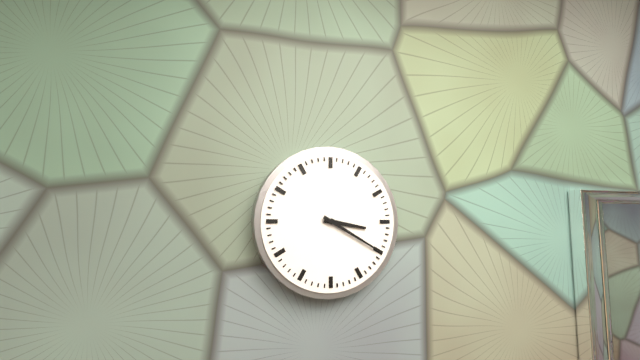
3:20
